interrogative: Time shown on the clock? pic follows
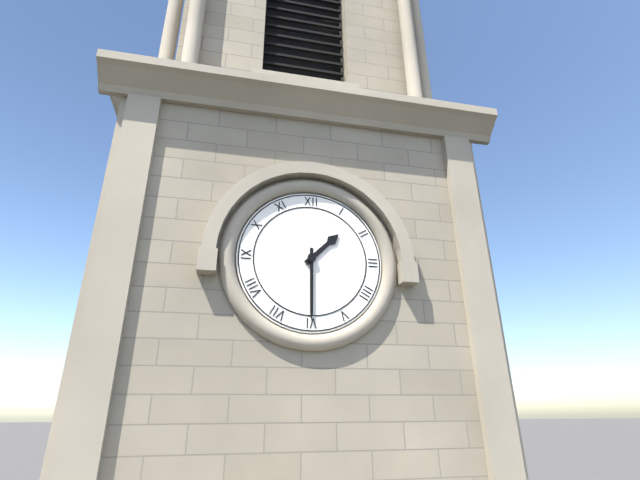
1:30
